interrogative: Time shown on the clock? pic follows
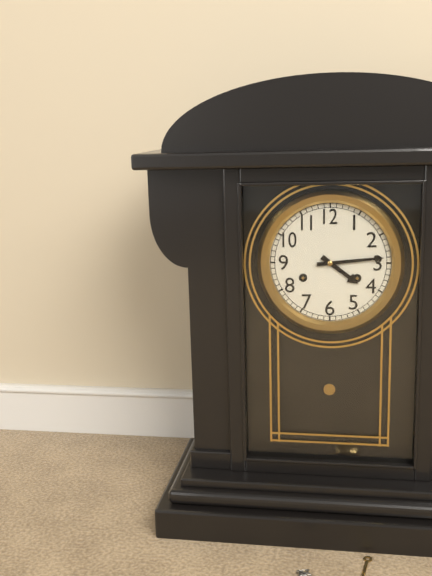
4:14
